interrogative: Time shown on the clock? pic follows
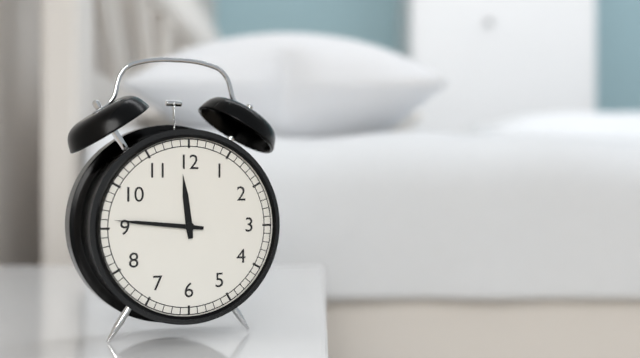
11:46
